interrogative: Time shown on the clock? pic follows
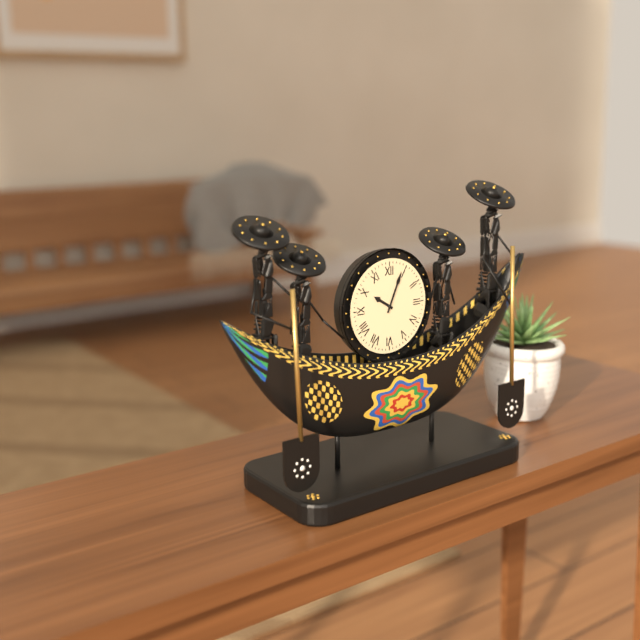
10:04
